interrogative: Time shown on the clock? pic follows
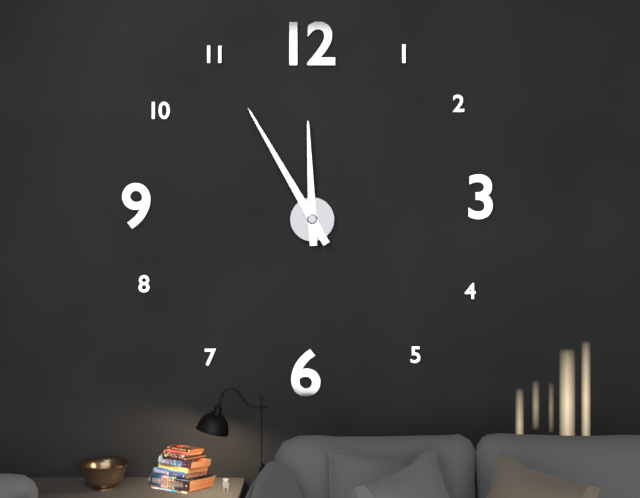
11:55
